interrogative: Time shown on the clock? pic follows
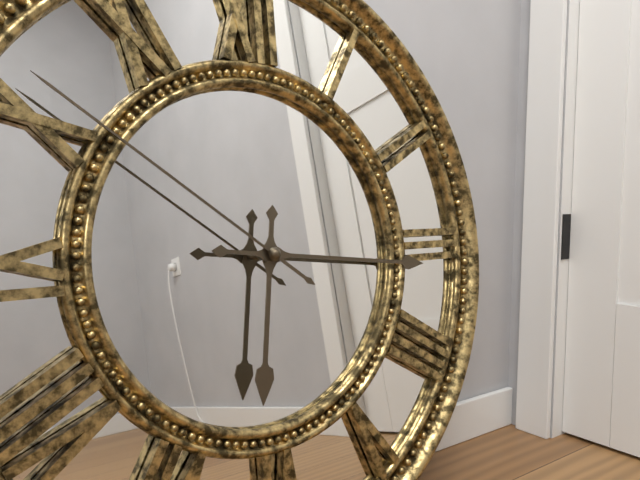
6:16:51
